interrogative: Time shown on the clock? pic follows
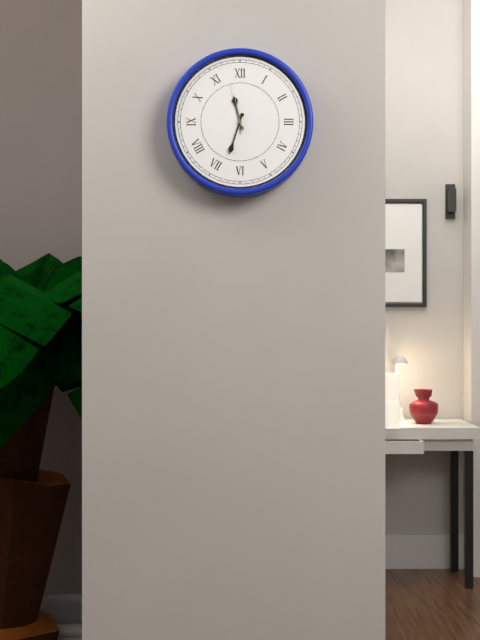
11:33:58
